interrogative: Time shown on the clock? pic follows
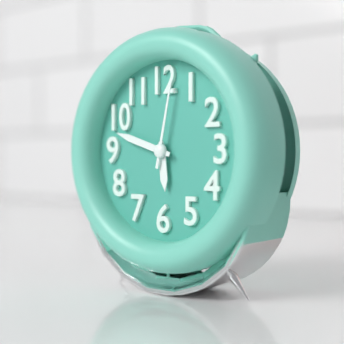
5:48:02
